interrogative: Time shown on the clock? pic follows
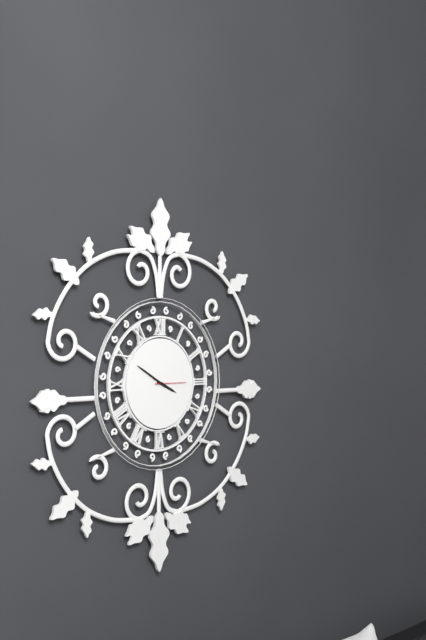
3:50
